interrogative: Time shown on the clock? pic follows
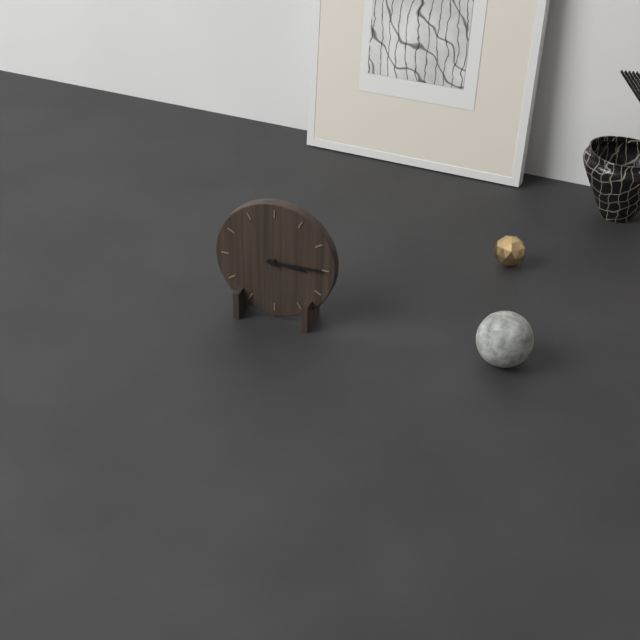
3:15
